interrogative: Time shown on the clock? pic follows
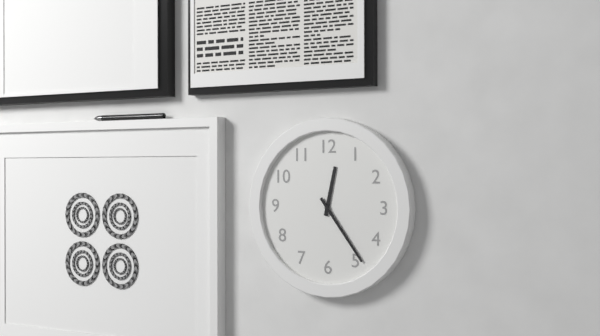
12:24
